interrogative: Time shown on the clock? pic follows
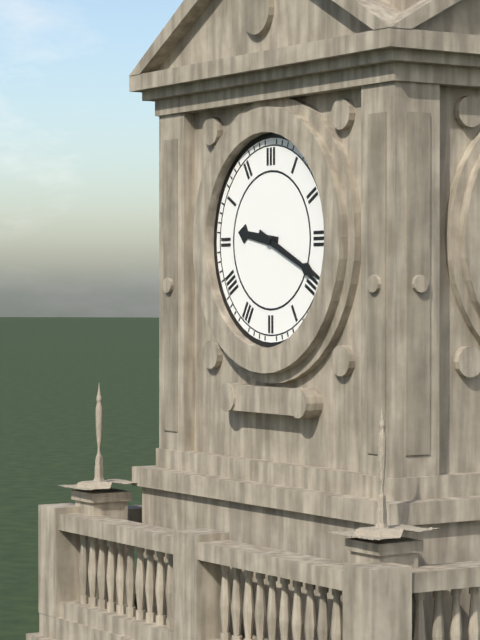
9:19
